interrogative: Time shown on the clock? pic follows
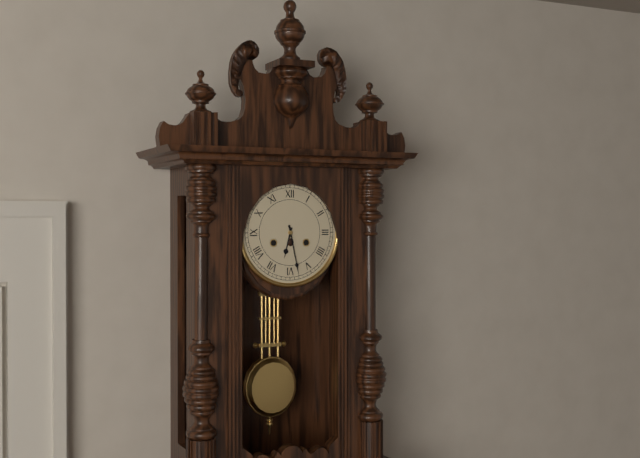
6:28
